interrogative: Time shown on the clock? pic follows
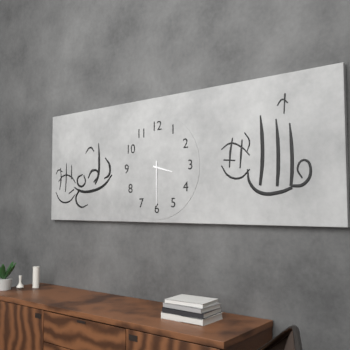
3:30
